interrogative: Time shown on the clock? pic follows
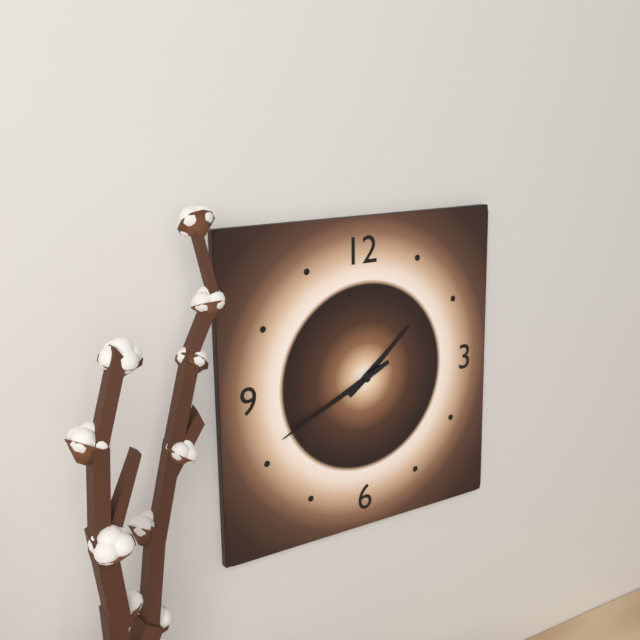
1:41
